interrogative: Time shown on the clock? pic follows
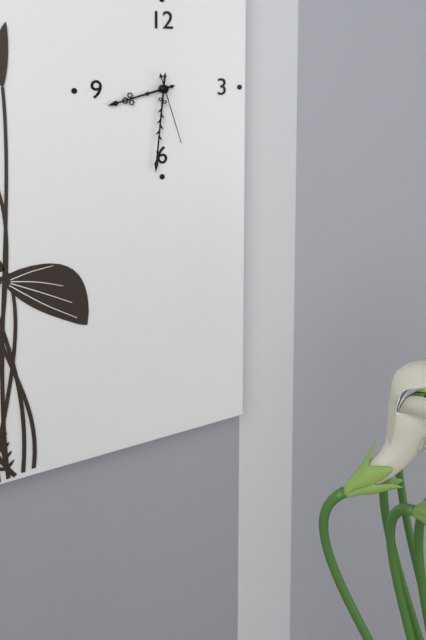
8:31:27
